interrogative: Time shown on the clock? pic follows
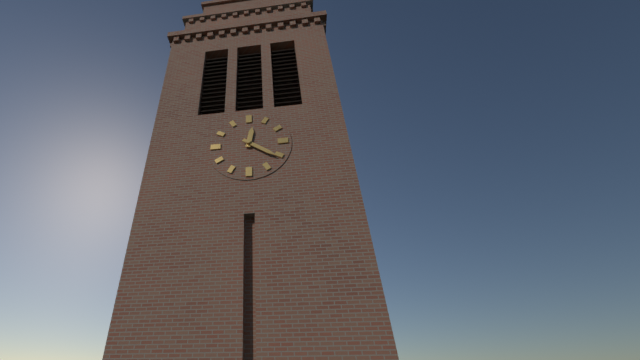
12:21
